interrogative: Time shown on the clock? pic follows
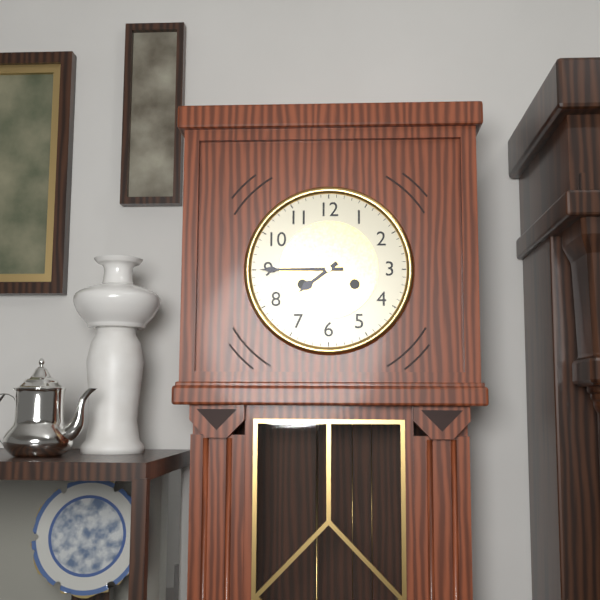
7:45
